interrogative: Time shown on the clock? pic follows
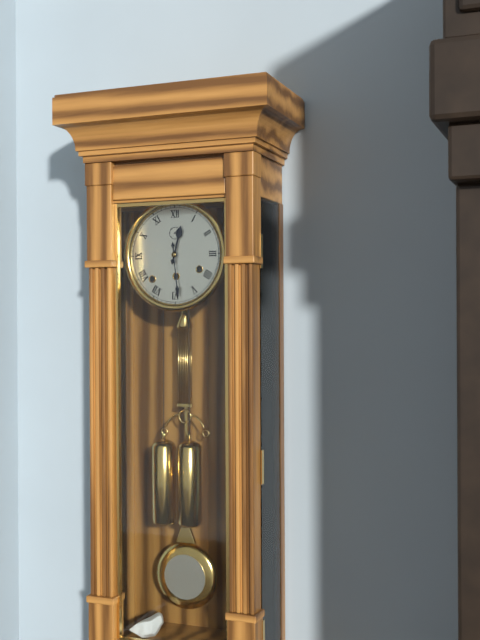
12:29
